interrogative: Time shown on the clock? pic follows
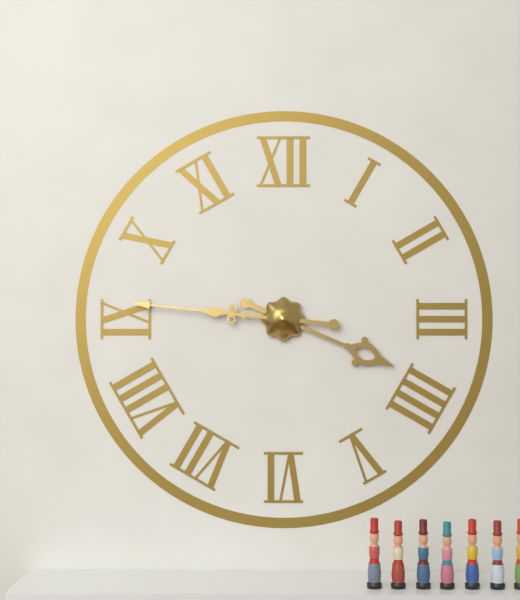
3:46
